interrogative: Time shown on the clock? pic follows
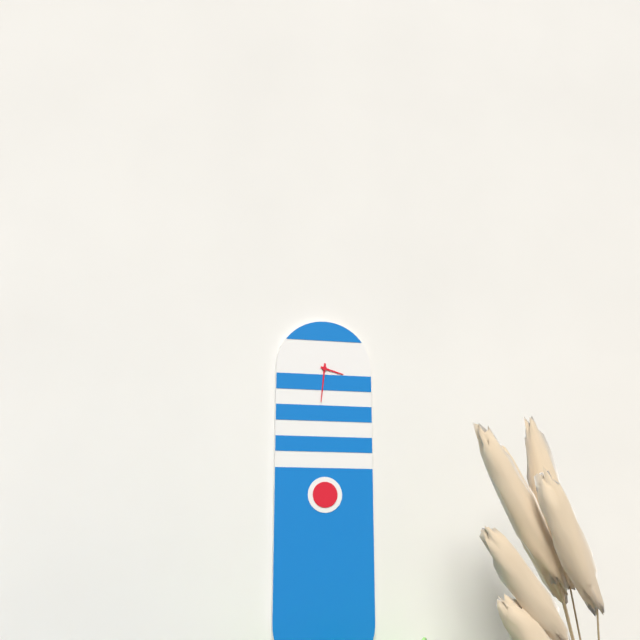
3:31
